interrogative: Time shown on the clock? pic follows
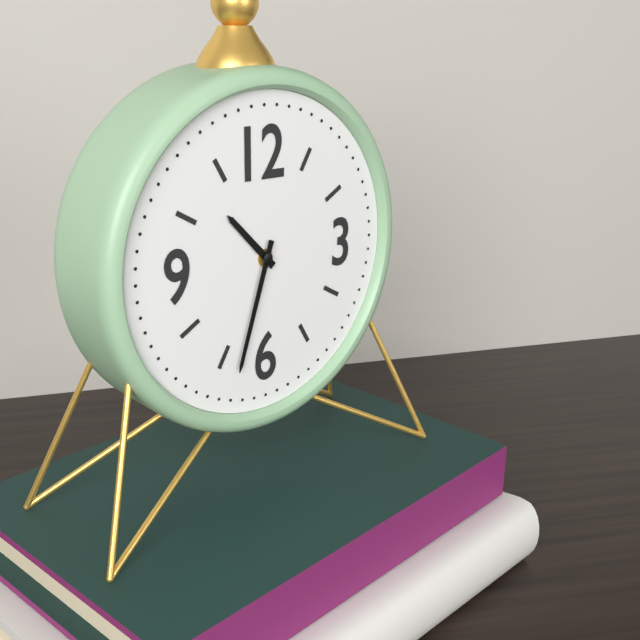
10:33
